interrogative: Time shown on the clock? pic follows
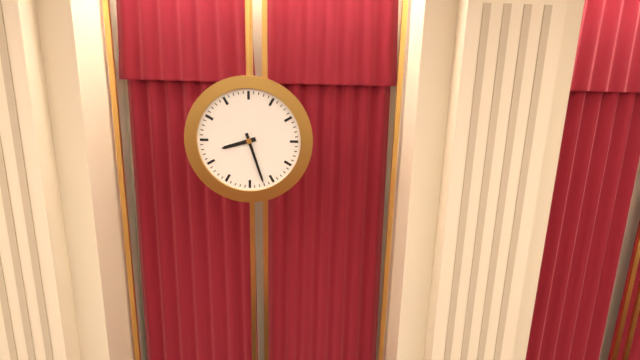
8:27
